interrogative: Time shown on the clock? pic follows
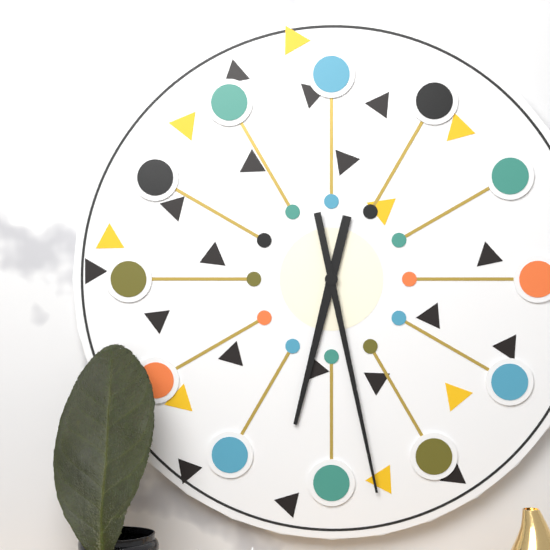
6:28
